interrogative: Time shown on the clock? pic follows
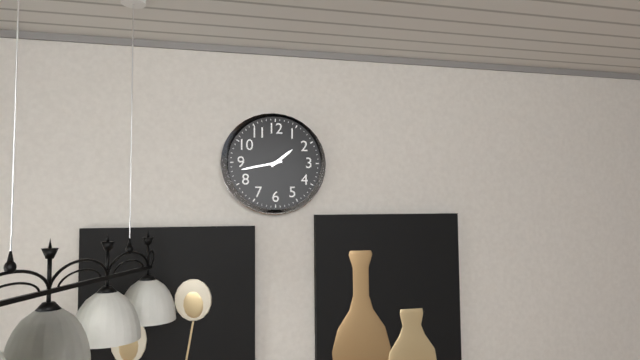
1:43
